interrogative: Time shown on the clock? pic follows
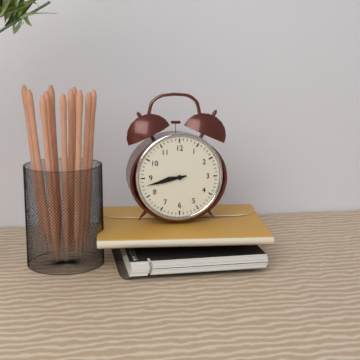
8:43
